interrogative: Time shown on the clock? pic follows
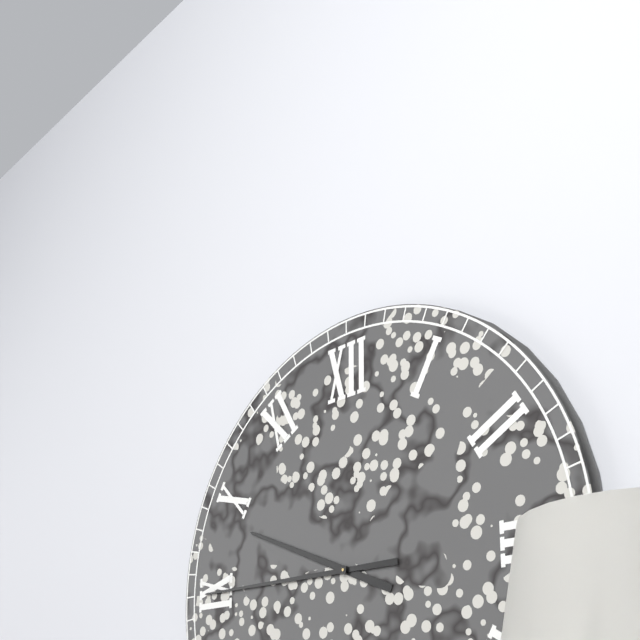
9:45
